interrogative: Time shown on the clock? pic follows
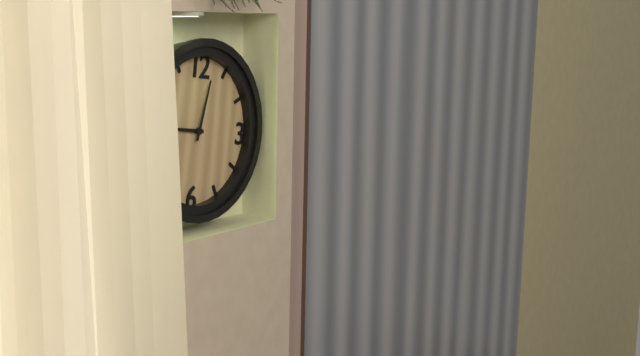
9:02
